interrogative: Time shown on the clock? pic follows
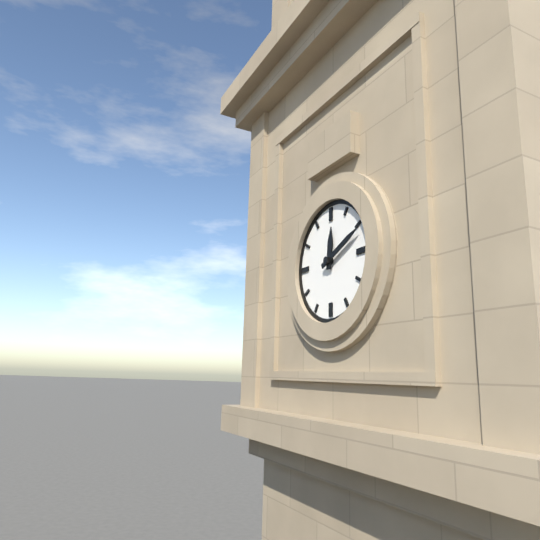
12:11
